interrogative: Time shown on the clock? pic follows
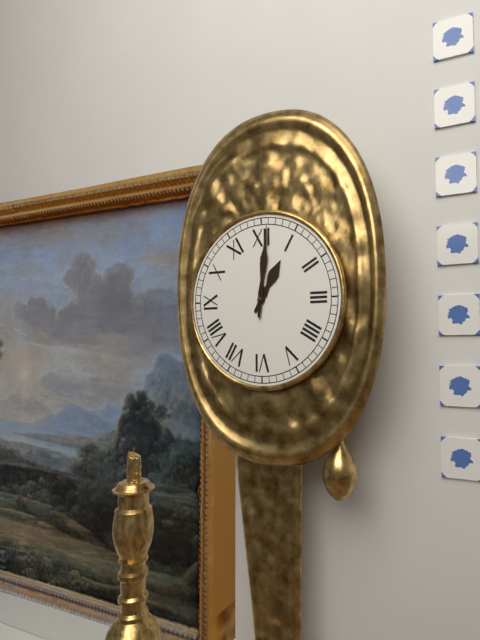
1:01
